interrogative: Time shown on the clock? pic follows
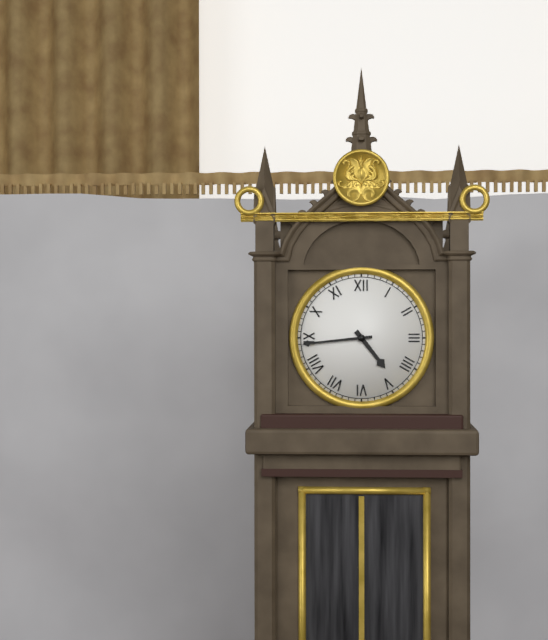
4:44
